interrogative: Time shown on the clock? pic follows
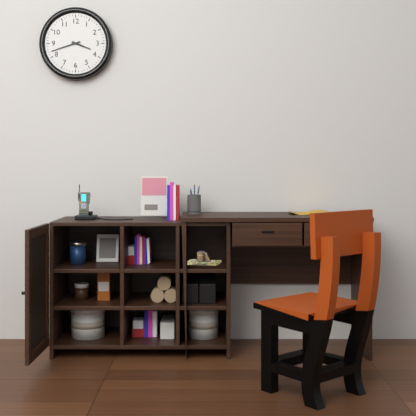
3:42
